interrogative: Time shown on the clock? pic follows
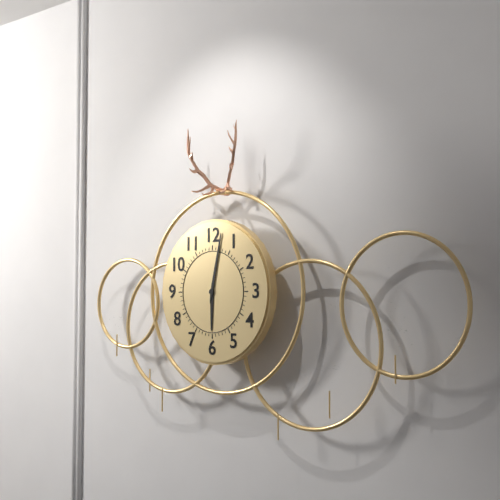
6:02
